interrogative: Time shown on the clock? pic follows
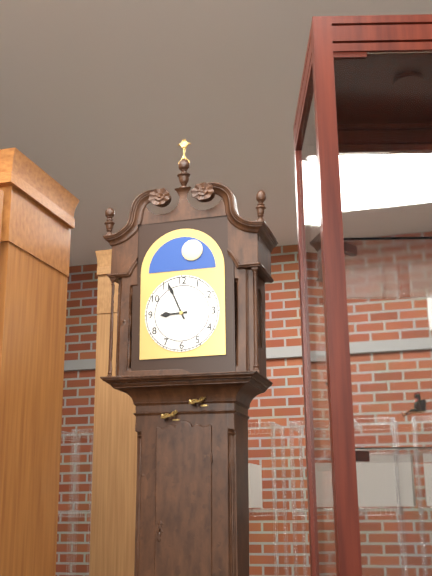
8:56
